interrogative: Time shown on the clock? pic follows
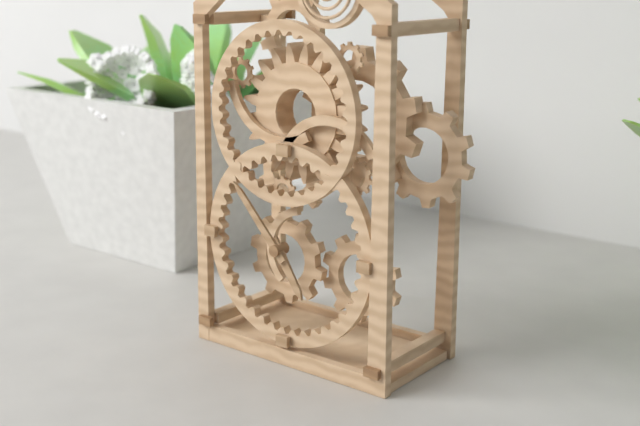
4:53
